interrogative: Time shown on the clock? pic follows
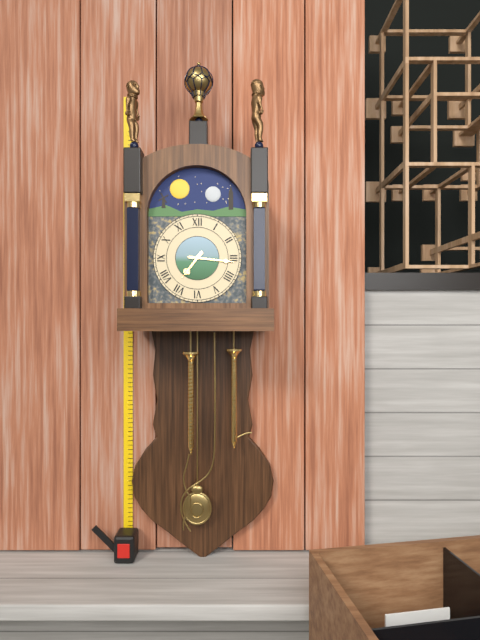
7:16
